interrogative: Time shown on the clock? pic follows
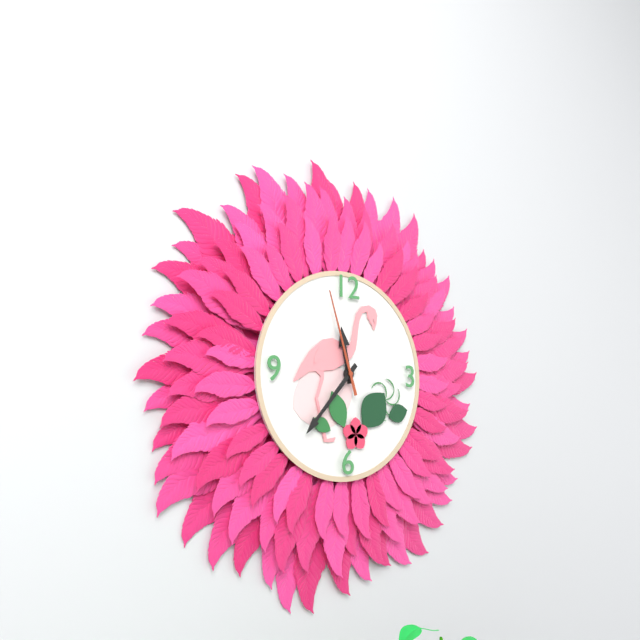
11:37:57
